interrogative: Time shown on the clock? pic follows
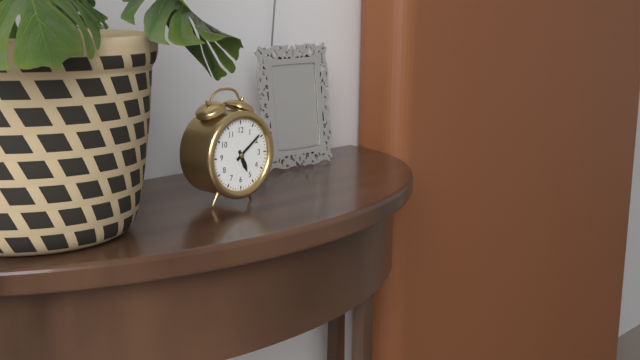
5:09
